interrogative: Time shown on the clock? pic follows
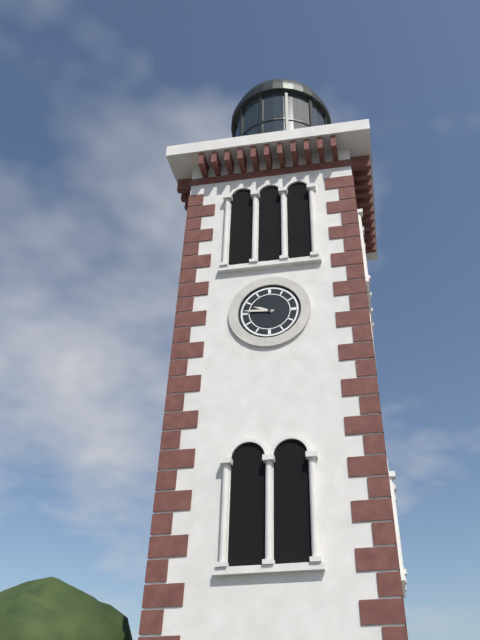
9:46
